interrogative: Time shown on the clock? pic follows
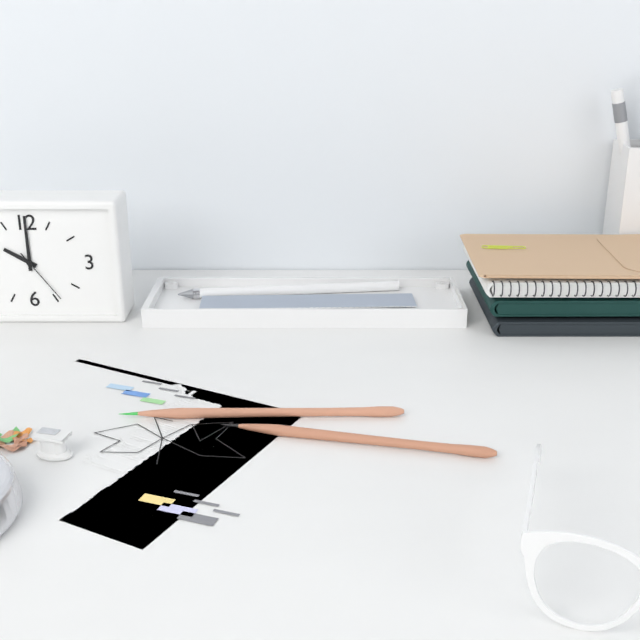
10:00:24
